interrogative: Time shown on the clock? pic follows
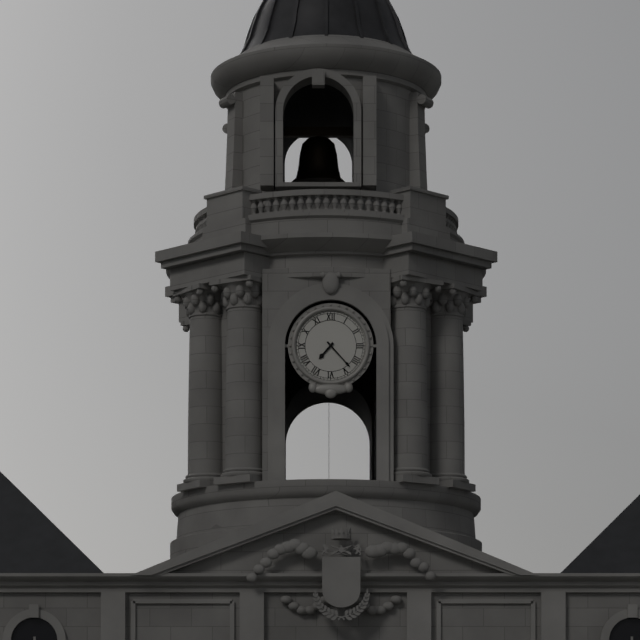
7:23
